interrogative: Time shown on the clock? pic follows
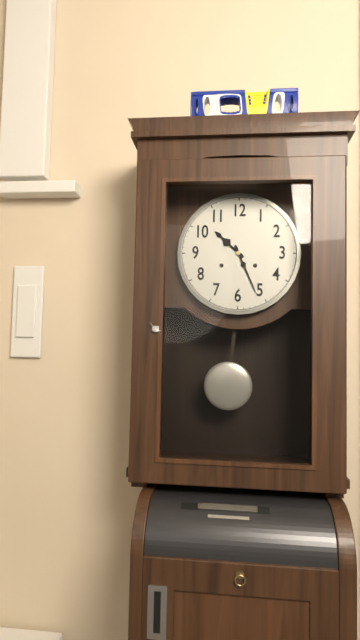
10:26
